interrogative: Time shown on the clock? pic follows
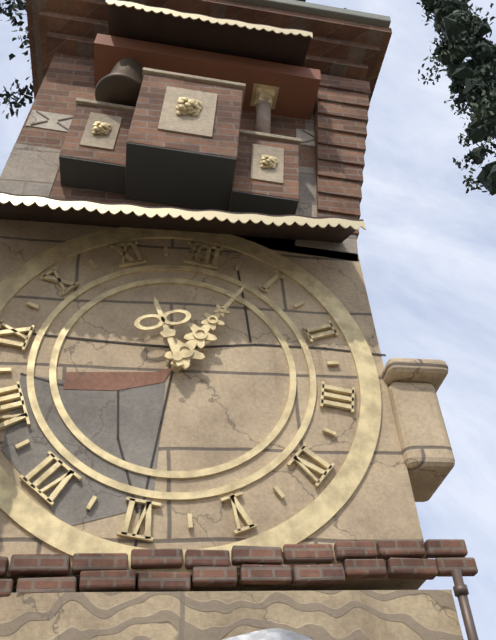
11:04
